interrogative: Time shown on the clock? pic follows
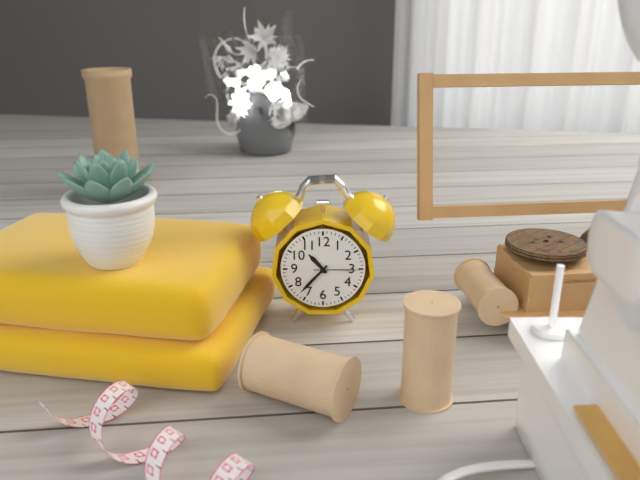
10:37
